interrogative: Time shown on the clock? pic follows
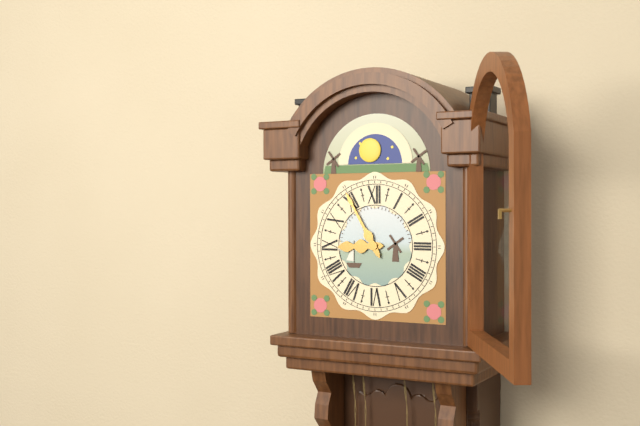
8:55
